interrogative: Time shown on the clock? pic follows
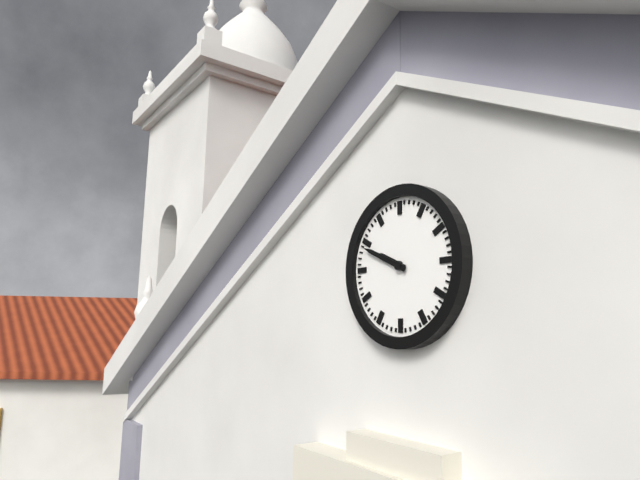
9:49
